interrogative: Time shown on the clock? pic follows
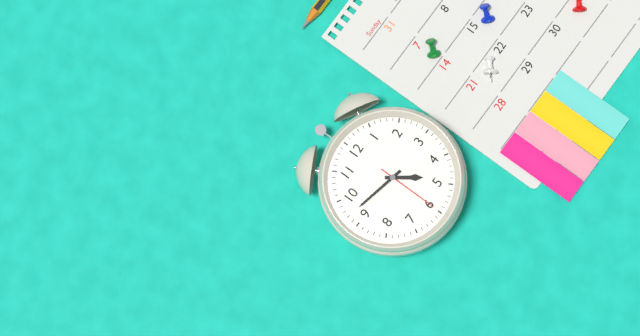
4:47:30
